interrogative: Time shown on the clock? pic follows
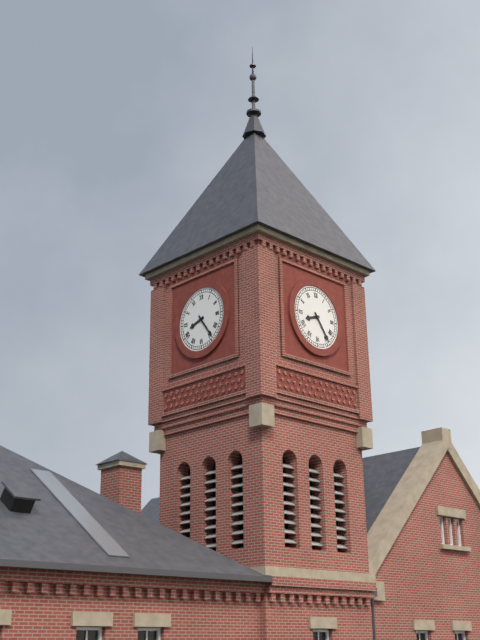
8:24
